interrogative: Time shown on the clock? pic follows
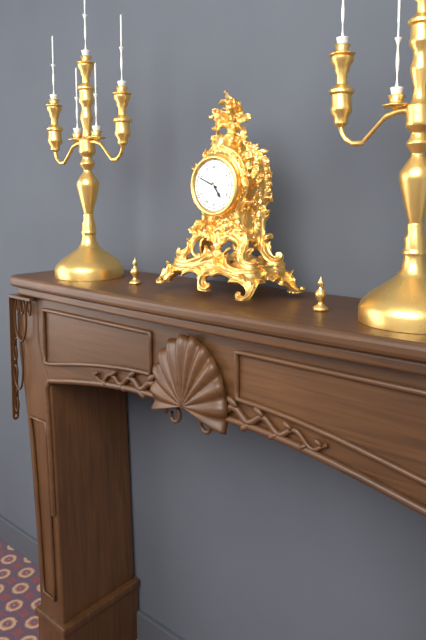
4:49
